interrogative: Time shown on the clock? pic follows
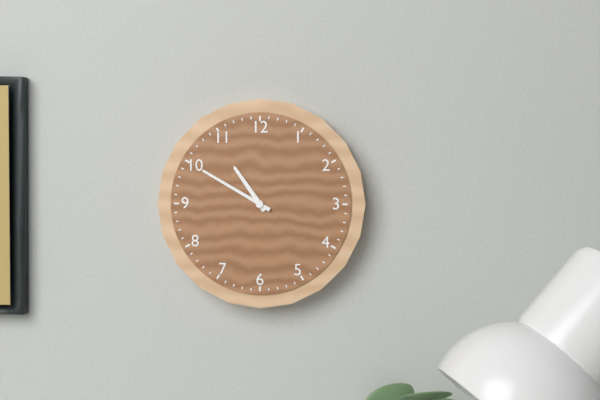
10:50
